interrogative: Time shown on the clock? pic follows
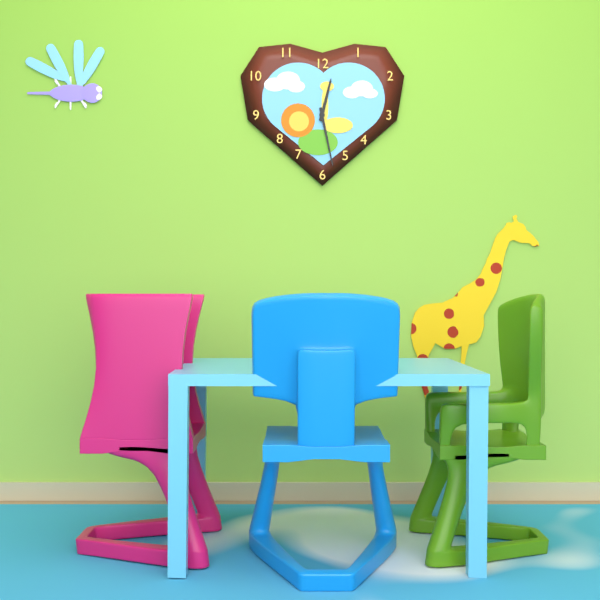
12:28
